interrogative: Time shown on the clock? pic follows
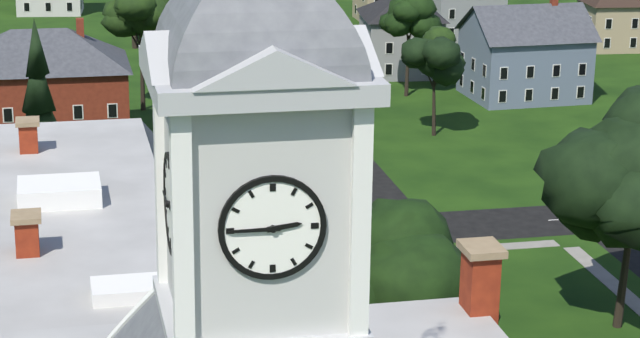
2:45
